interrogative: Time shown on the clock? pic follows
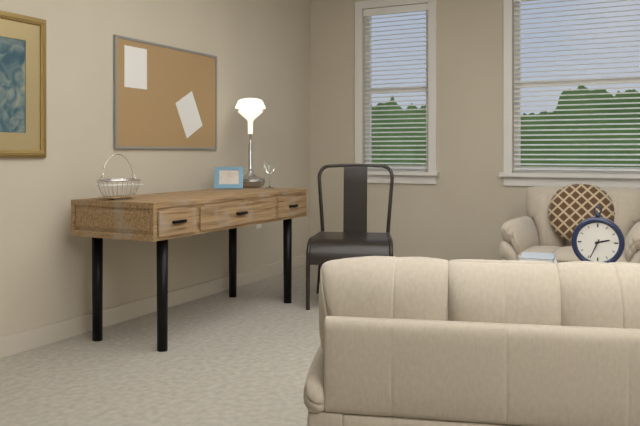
2:34
